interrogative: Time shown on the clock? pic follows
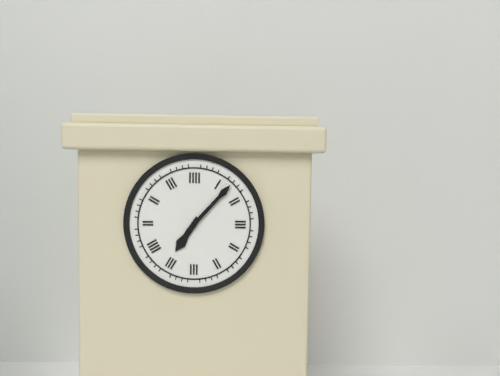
7:07
